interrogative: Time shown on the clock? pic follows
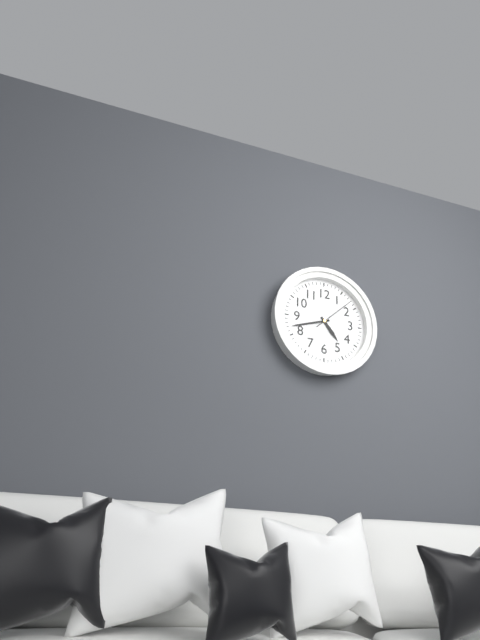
4:42
